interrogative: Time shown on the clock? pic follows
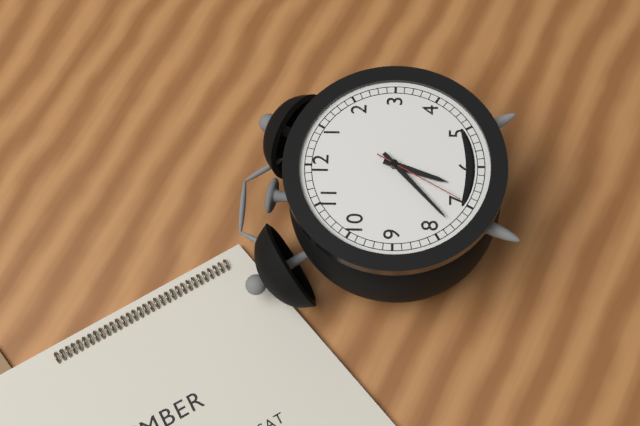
6:38:35
